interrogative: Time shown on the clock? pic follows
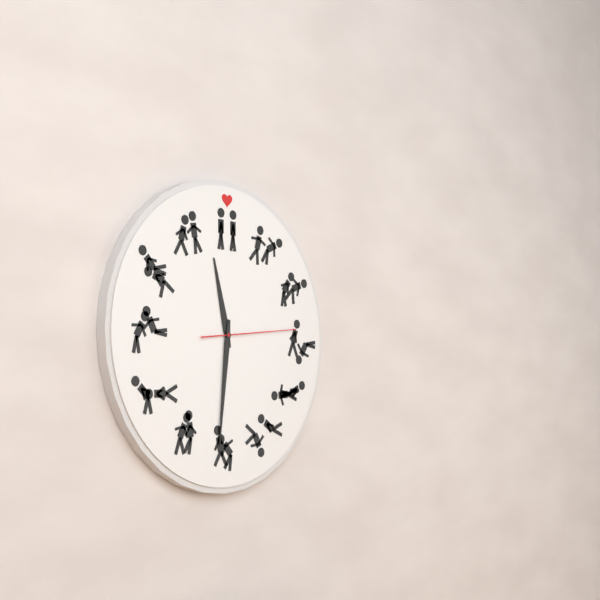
11:31:14
